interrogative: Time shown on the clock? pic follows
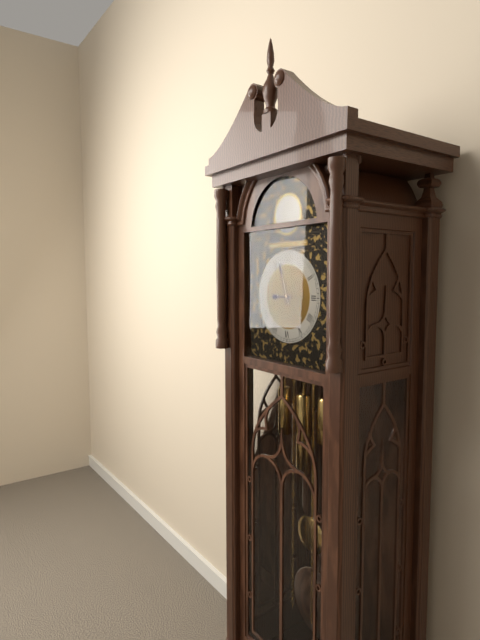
8:57
